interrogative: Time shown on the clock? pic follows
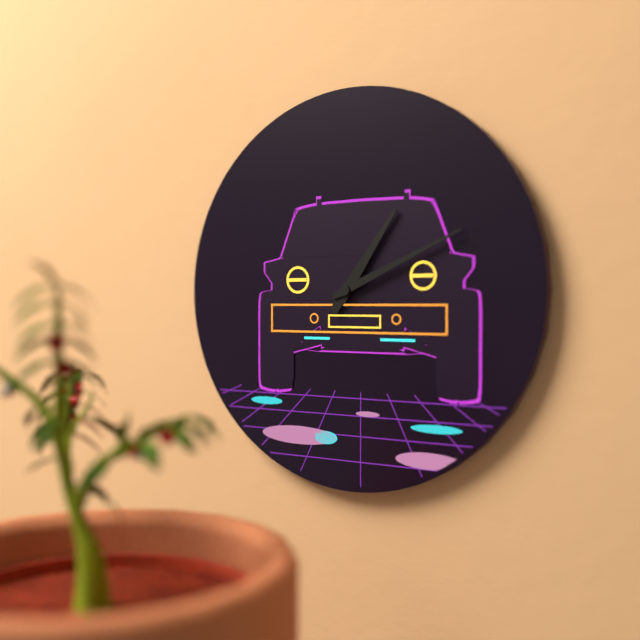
1:11
